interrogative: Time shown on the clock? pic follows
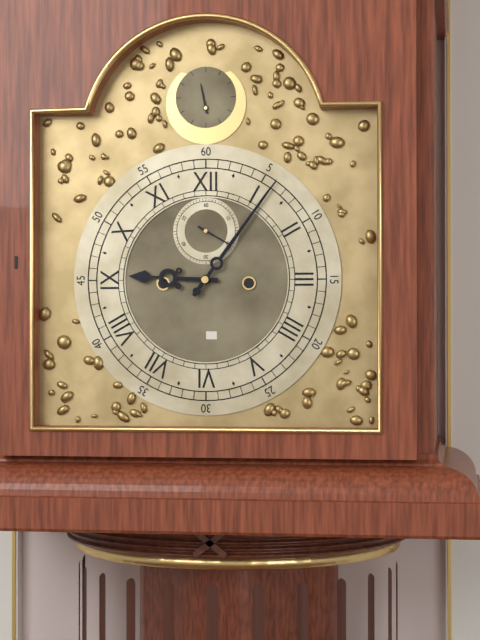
9:06
